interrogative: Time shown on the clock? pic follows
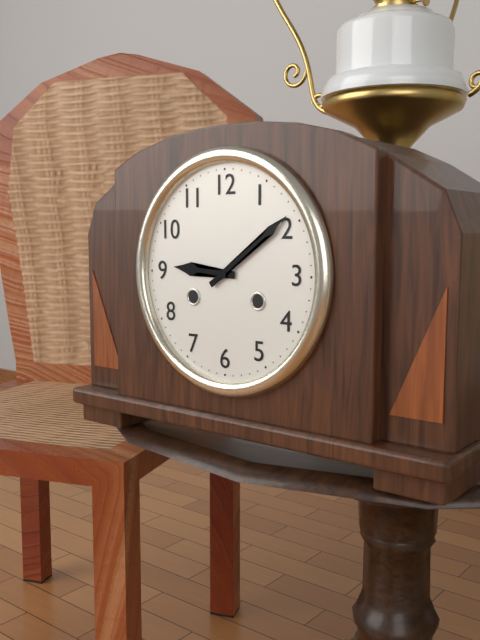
9:09
